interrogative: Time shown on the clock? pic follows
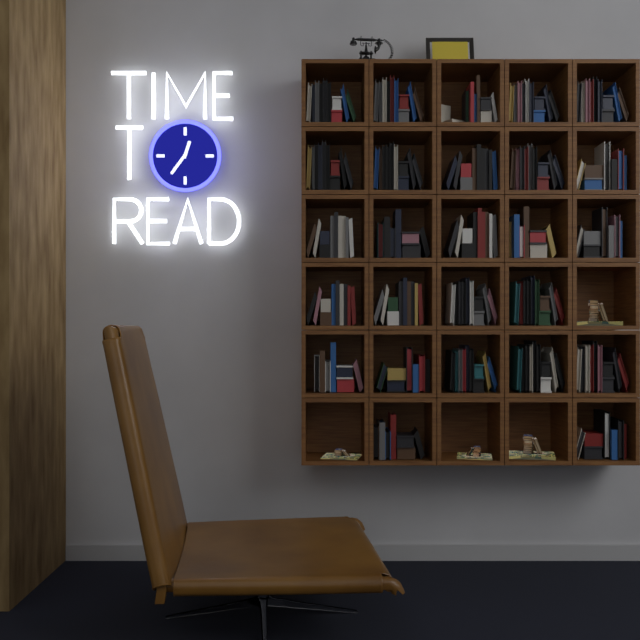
12:36
